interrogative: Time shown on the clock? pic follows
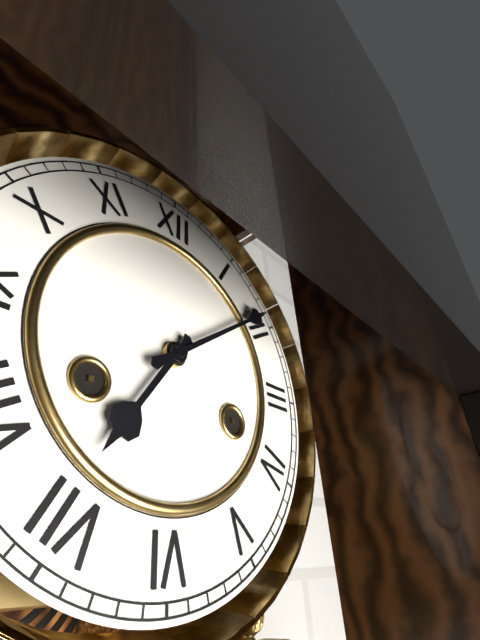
7:09
